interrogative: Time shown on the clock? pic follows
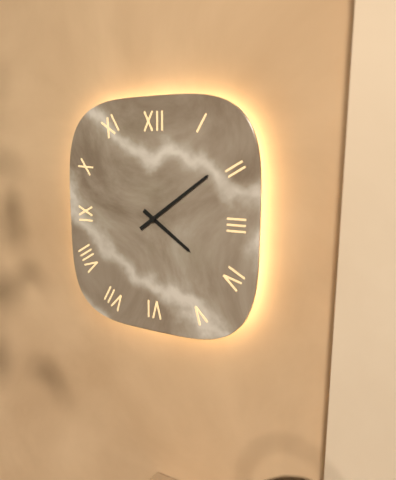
4:09
